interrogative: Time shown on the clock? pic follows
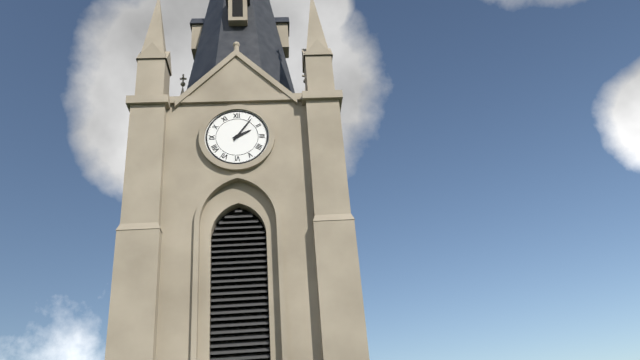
2:06
